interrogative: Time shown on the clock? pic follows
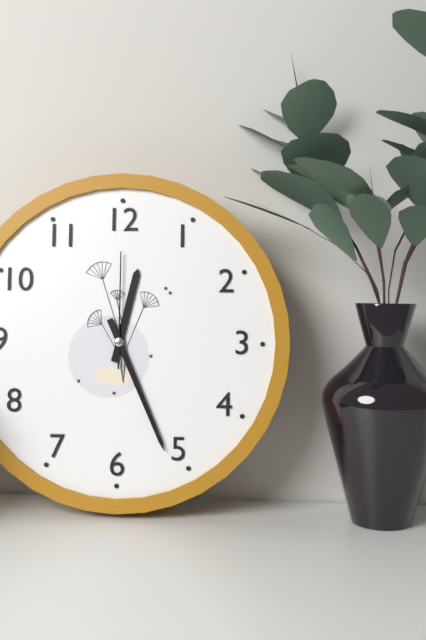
12:26:00
